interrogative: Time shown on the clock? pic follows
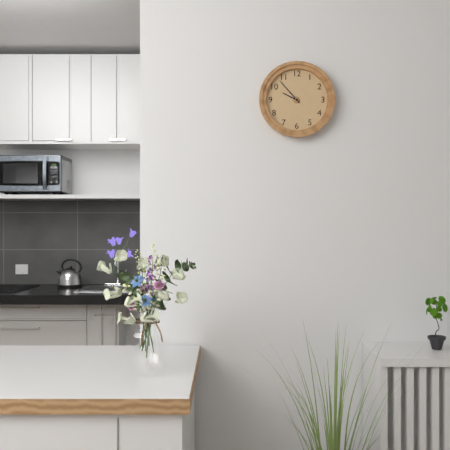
9:53
